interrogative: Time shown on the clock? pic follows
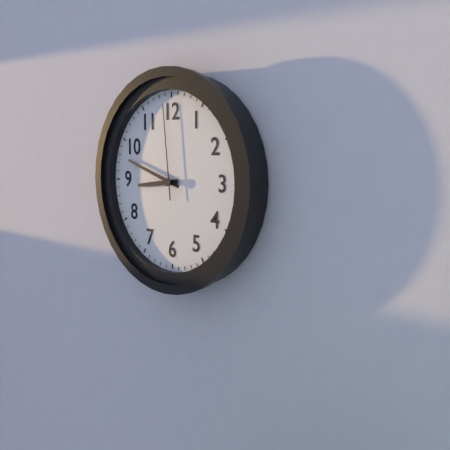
8:48:59
